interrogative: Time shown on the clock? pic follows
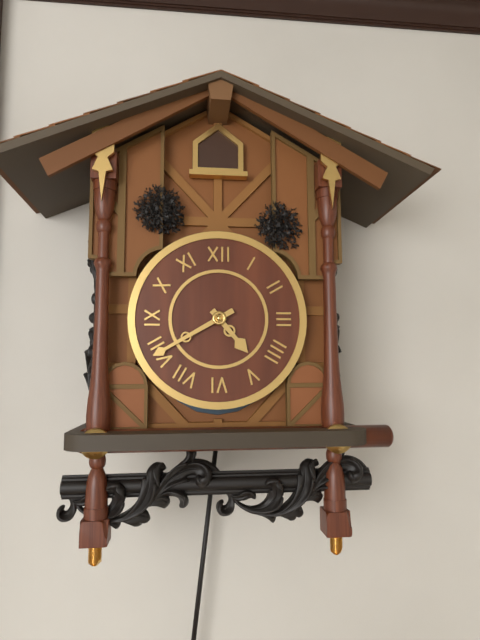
4:40
